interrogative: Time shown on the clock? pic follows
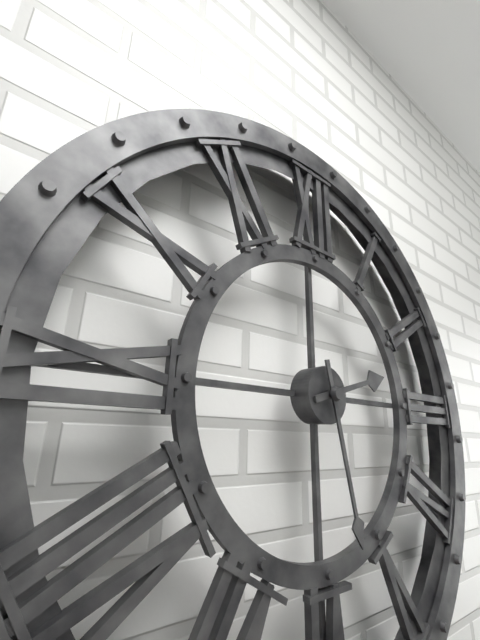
2:28
